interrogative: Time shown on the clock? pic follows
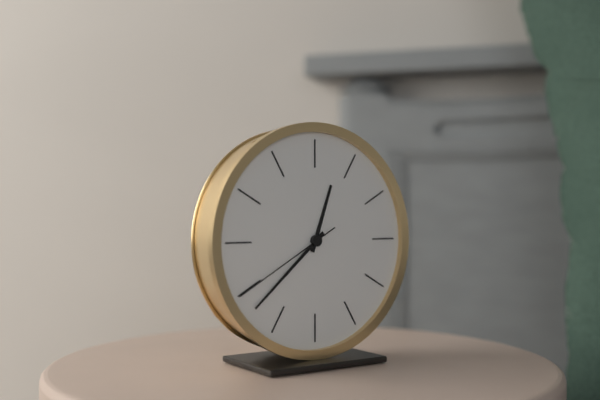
12:38:40
